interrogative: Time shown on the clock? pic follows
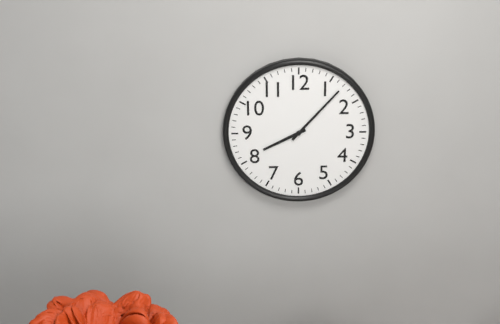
8:07
